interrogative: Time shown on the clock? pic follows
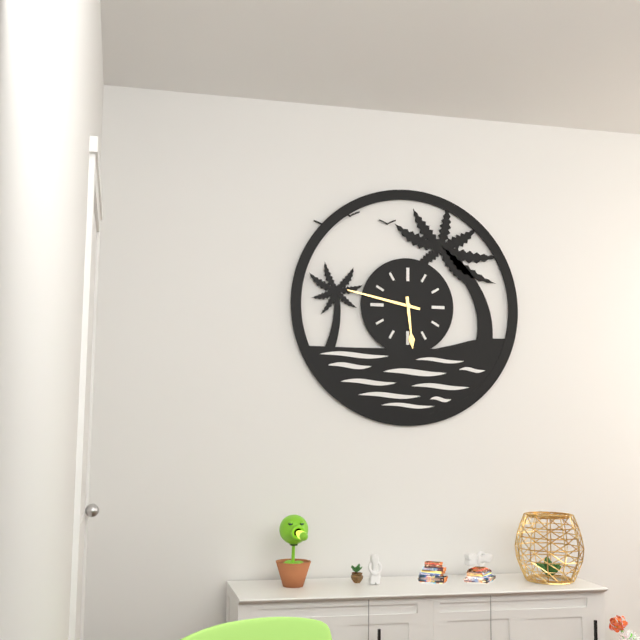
5:47
